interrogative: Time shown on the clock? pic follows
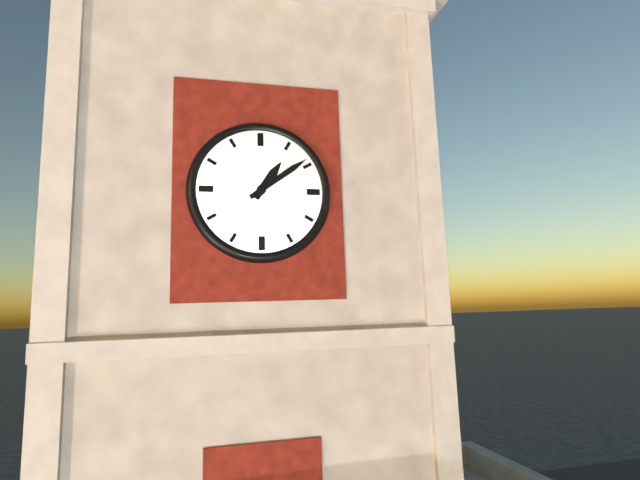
1:09
